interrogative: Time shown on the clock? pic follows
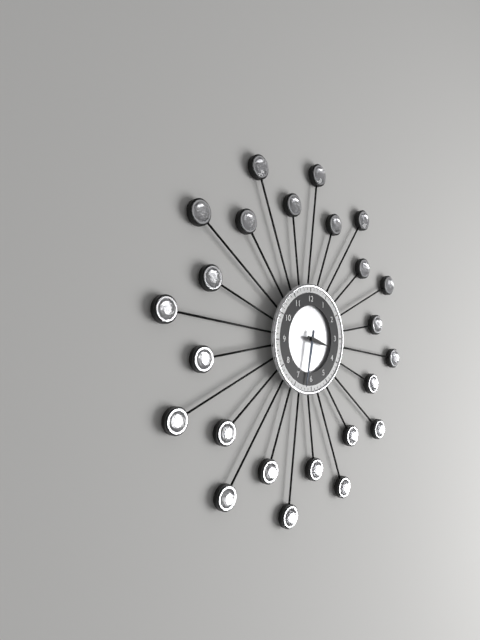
3:32
